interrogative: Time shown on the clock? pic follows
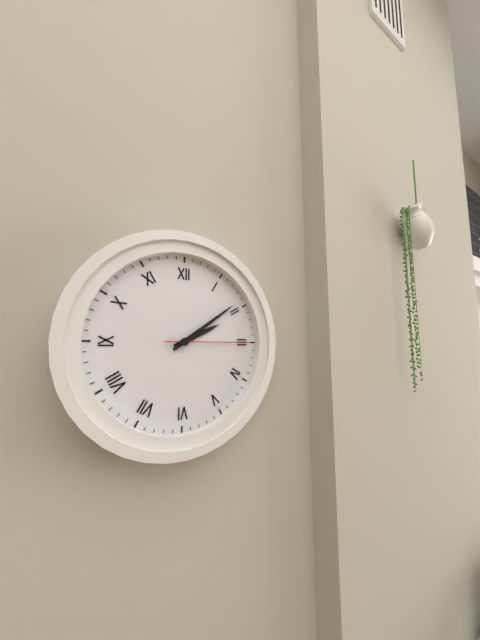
2:09:15
